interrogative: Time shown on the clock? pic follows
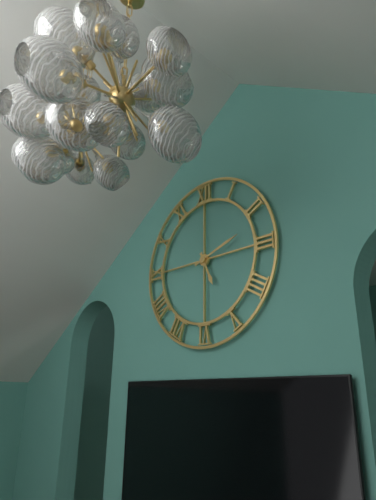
5:12
